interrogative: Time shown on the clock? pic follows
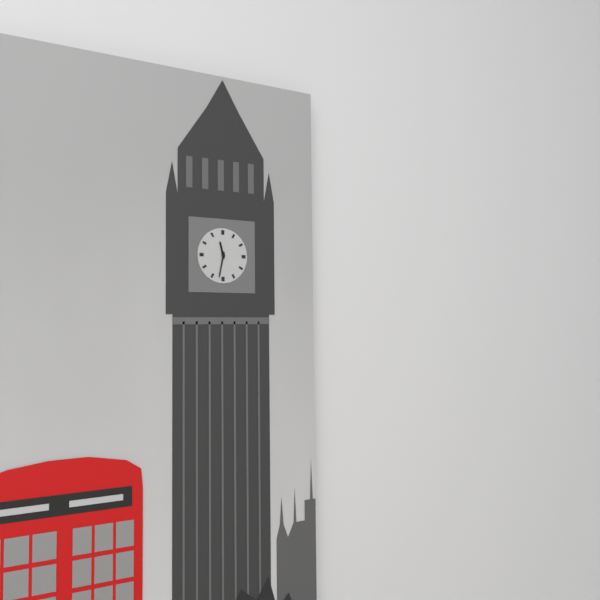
11:32
